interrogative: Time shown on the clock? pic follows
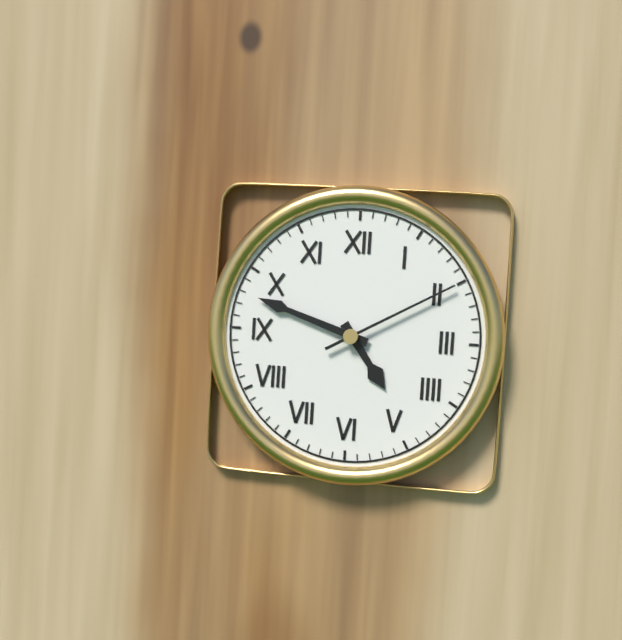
4:48:10
